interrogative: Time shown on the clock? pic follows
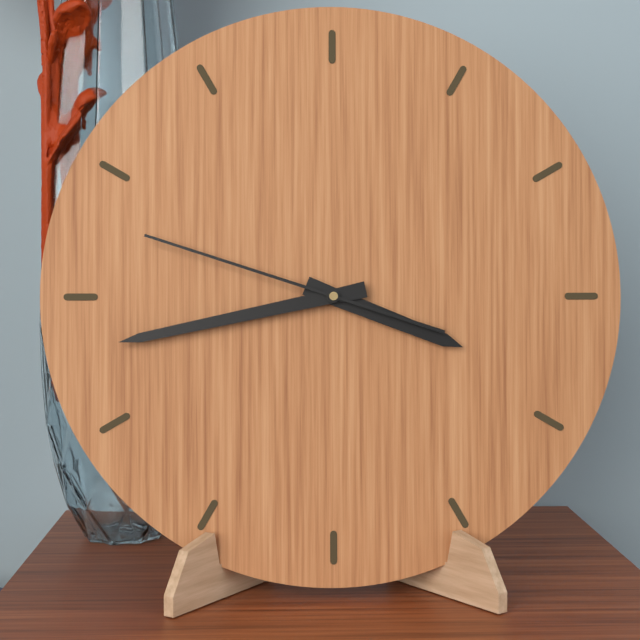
3:43:48
